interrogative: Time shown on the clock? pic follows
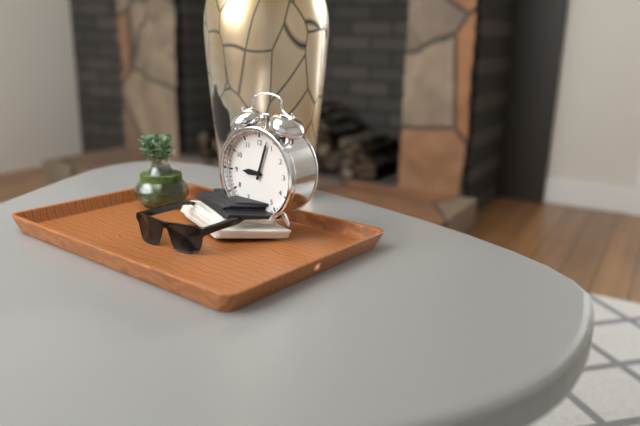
9:03
